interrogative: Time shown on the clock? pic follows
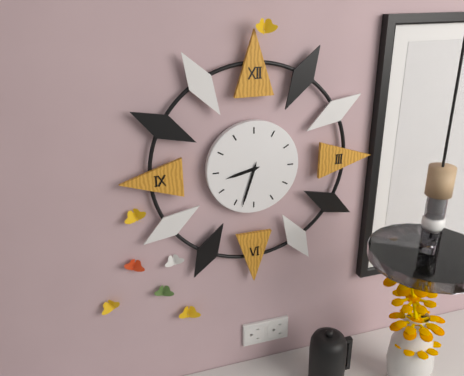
8:33
